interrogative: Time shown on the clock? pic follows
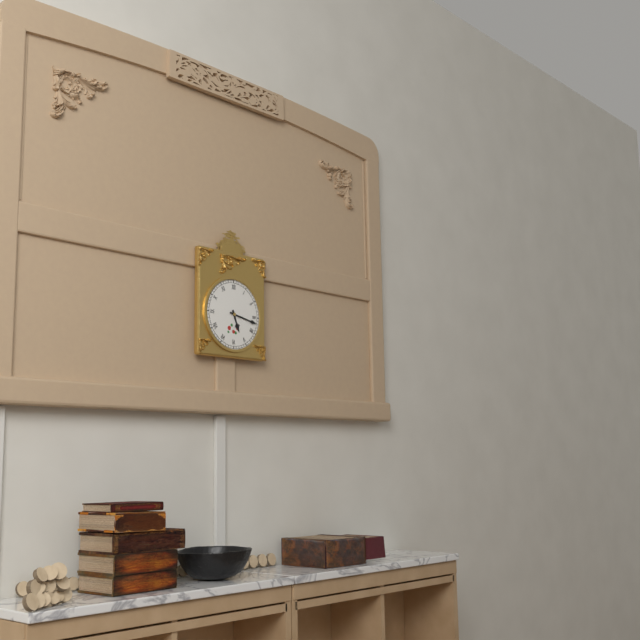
5:17
